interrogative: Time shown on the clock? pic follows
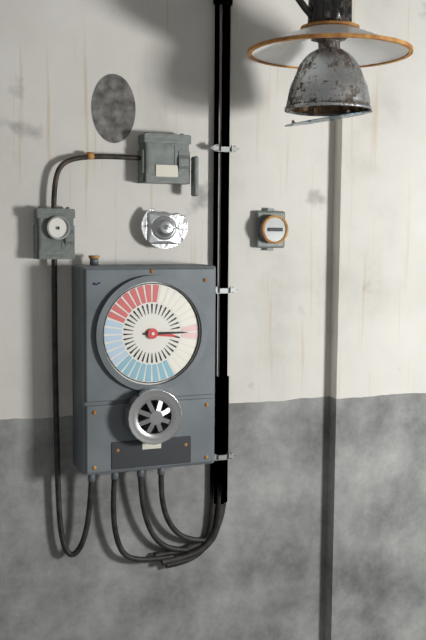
3:15
